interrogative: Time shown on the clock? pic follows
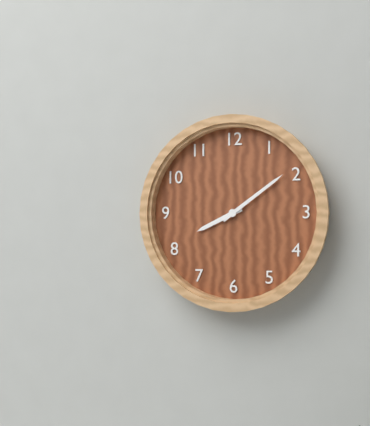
8:09
